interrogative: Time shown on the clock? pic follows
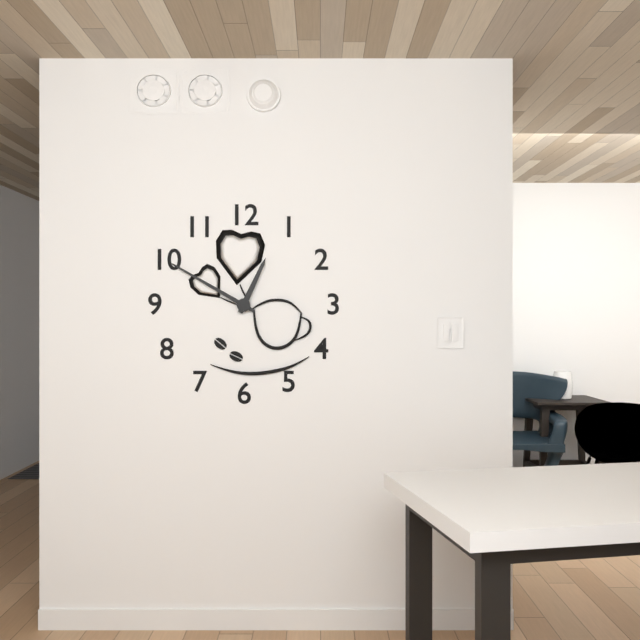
12:50
